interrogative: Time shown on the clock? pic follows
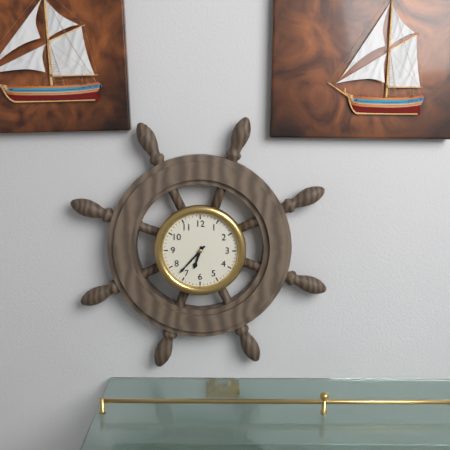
6:37
